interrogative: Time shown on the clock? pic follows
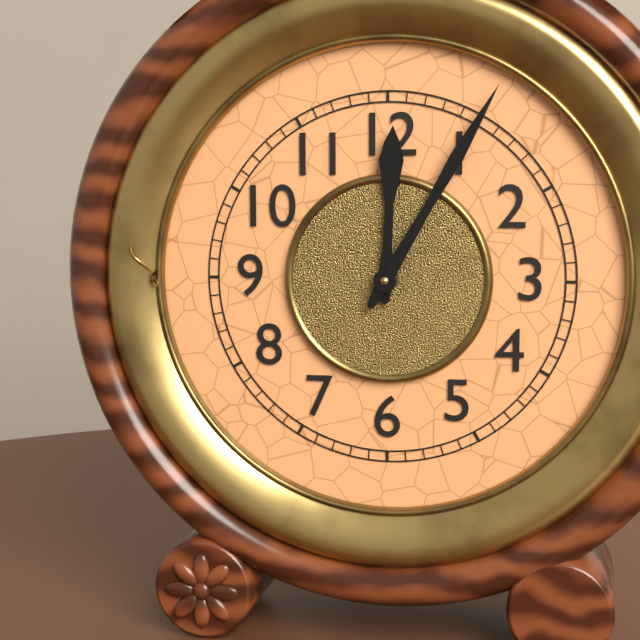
12:05
